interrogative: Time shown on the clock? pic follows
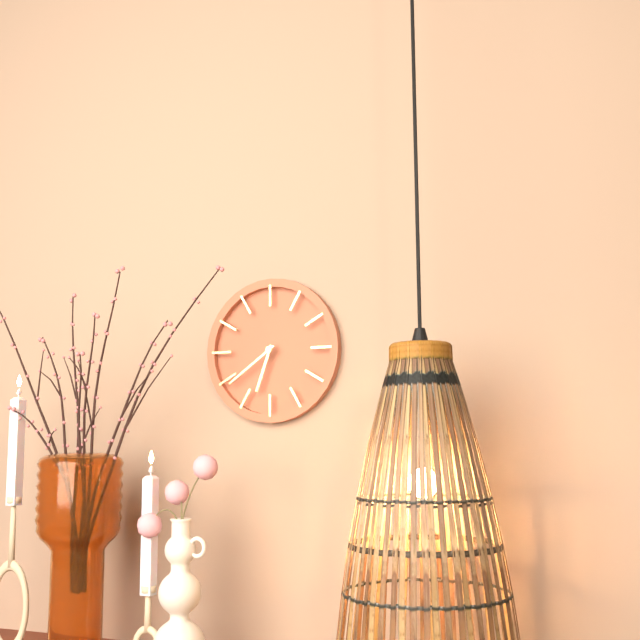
6:39
